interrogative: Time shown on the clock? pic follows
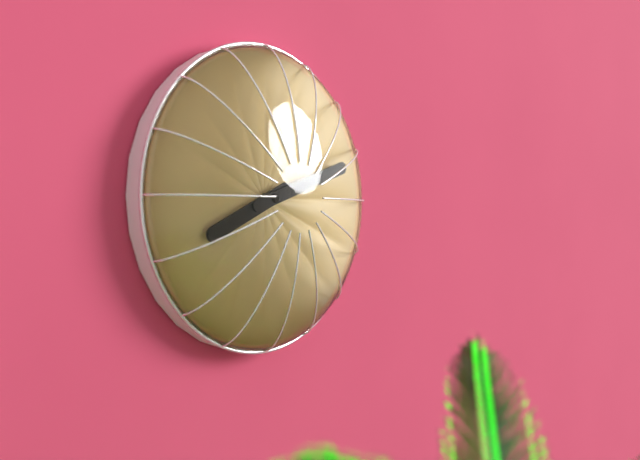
8:12
